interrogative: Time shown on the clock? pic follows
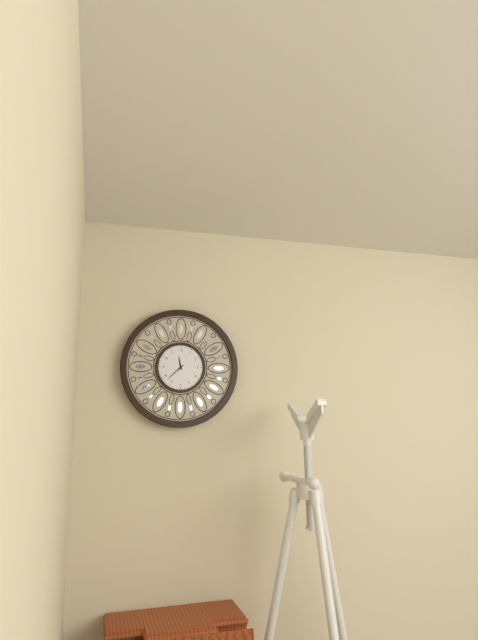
11:38
